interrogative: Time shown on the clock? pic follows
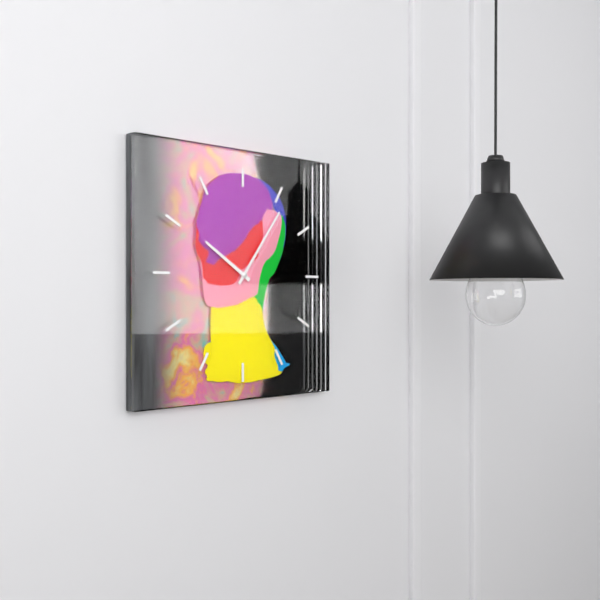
10:06
